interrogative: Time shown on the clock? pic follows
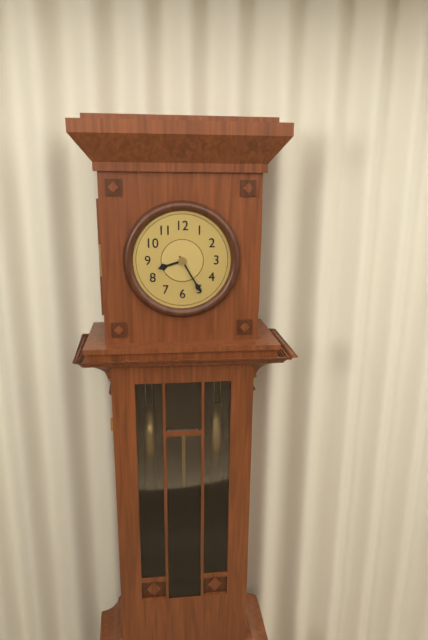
8:25
